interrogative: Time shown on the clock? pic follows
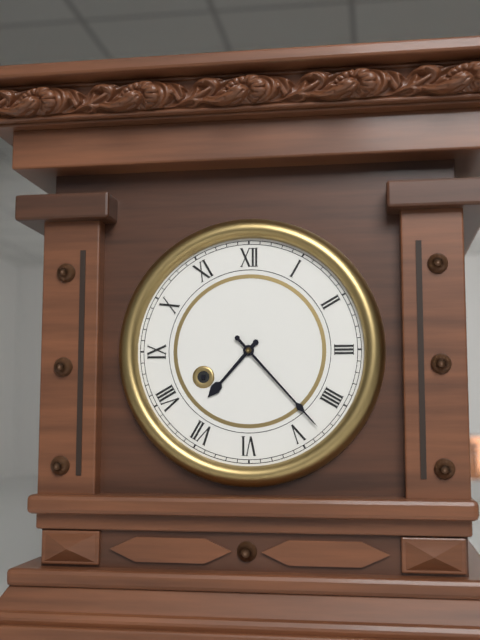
7:23
